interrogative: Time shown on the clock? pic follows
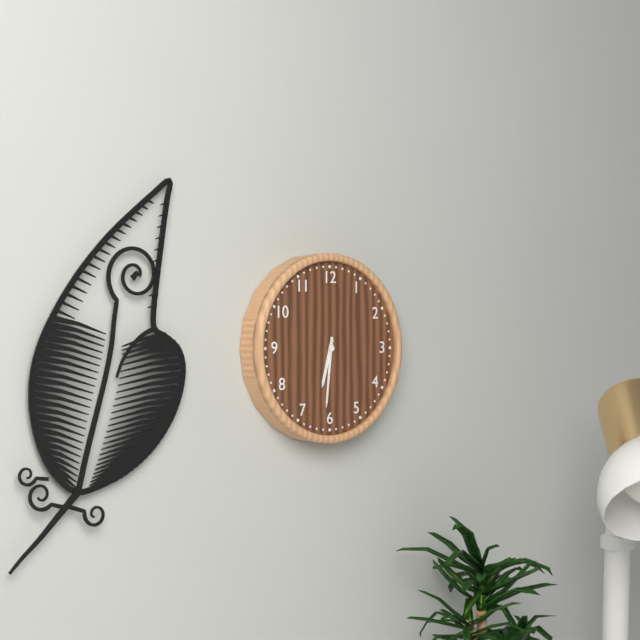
6:31
